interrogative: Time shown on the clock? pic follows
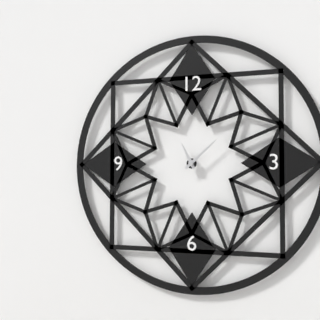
11:08
